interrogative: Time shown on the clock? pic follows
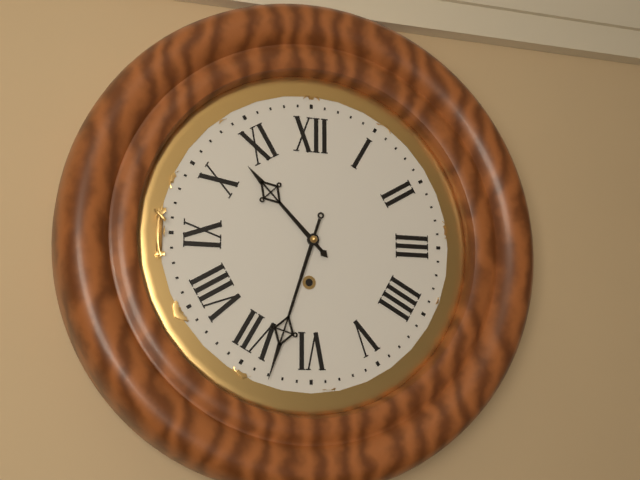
10:33
